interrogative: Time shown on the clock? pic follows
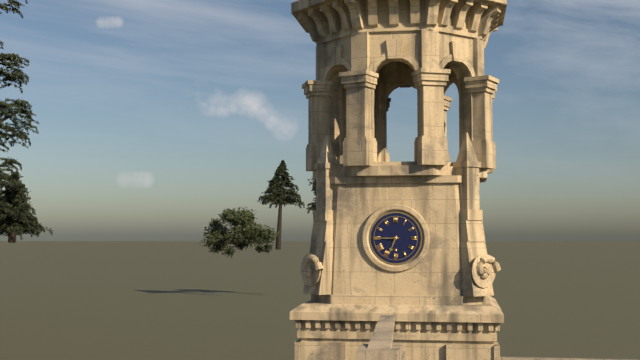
6:45
